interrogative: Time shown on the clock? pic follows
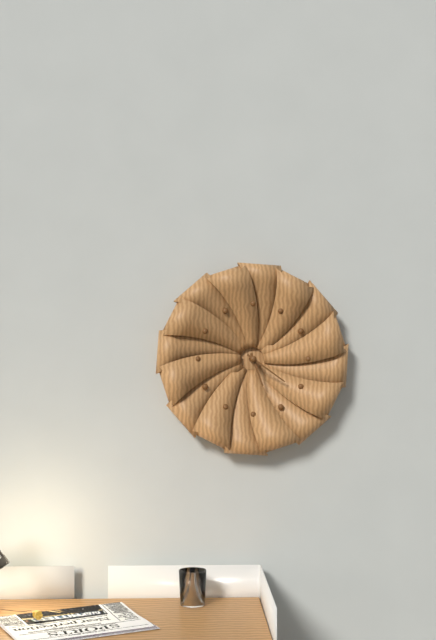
5:21
